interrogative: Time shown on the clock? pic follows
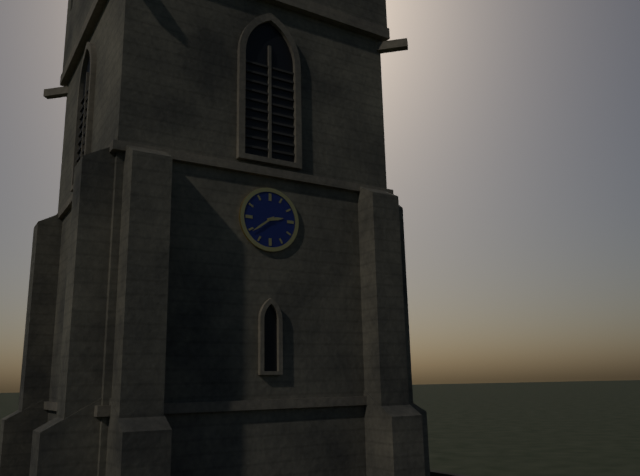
2:39
